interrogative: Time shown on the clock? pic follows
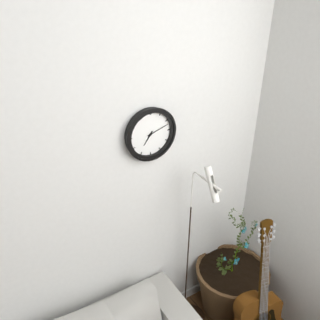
7:12
